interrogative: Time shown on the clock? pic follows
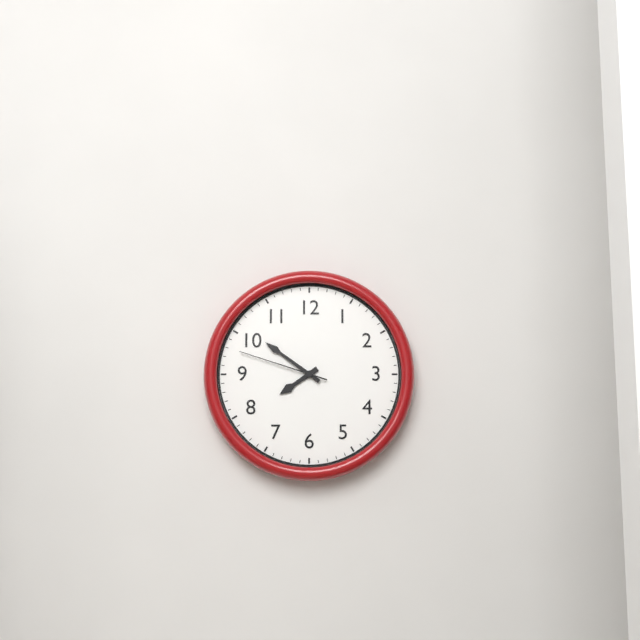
7:51:48
